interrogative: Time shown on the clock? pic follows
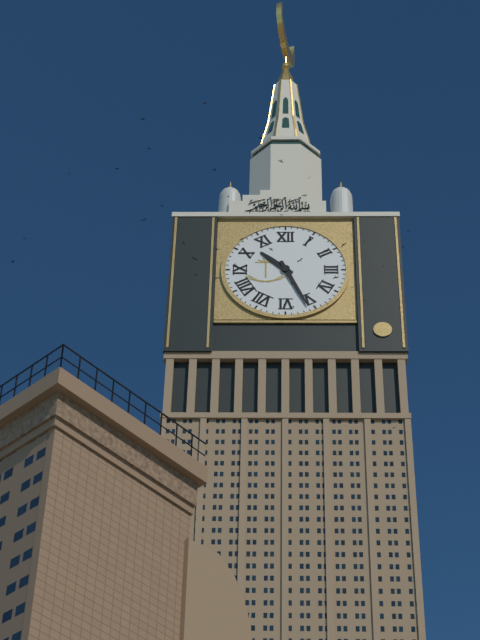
10:26
